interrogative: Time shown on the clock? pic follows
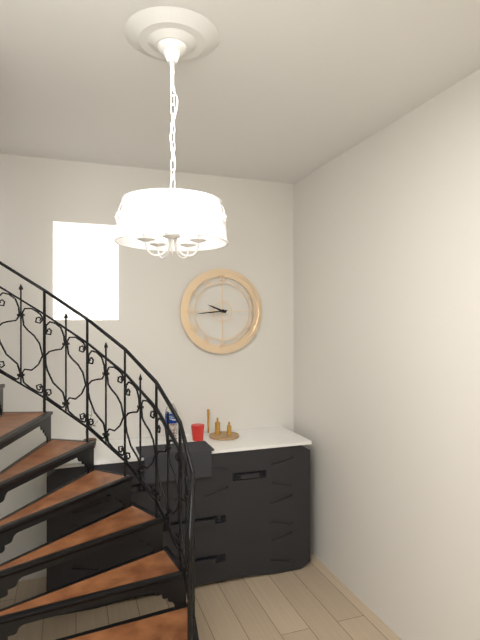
9:44
